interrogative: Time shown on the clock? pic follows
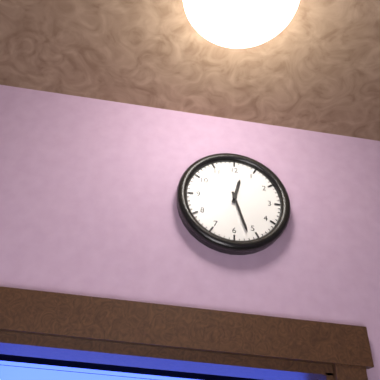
12:27
